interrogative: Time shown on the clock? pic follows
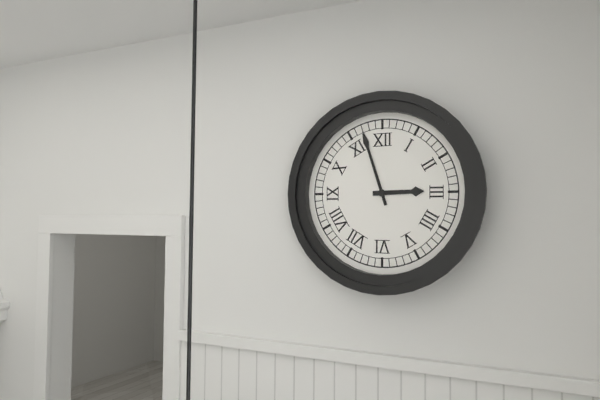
2:57
